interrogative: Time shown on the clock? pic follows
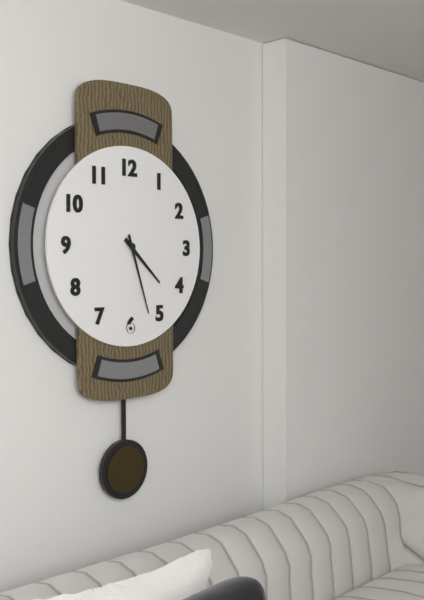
4:27
